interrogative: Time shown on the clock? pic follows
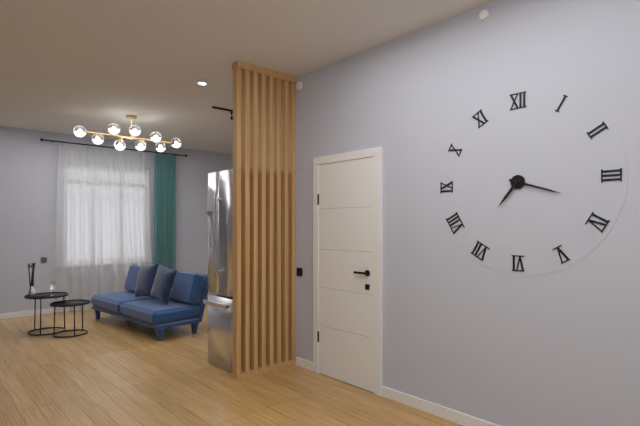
7:18
